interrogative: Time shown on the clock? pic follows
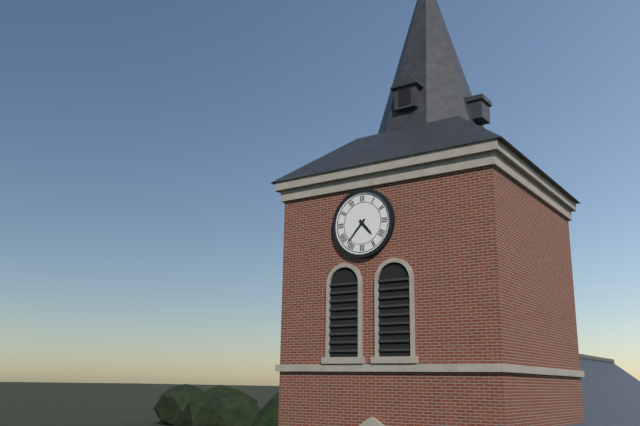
4:37
